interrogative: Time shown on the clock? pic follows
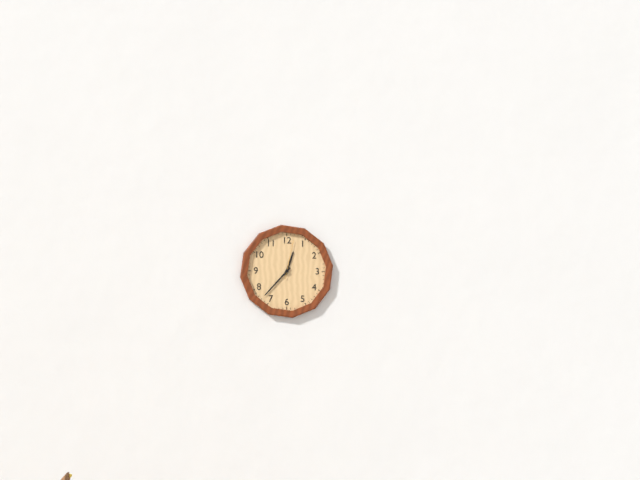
12:37
